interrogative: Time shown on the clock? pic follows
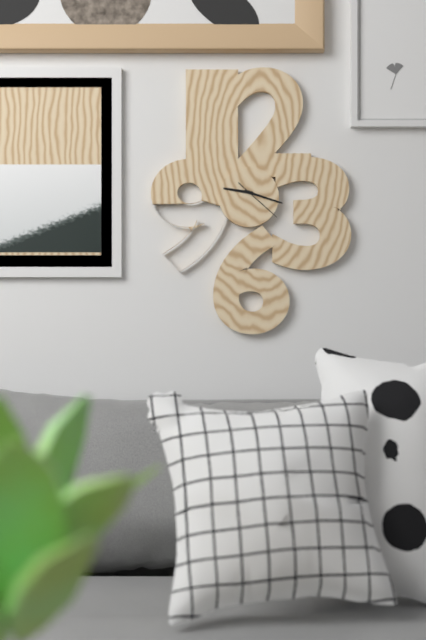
9:18
